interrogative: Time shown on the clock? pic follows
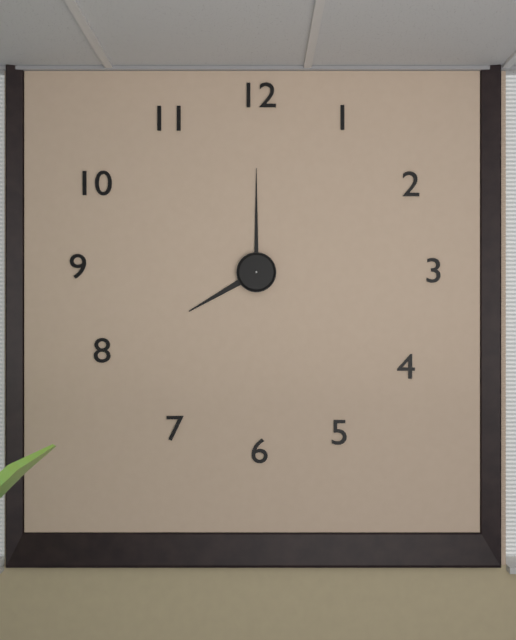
8:00
